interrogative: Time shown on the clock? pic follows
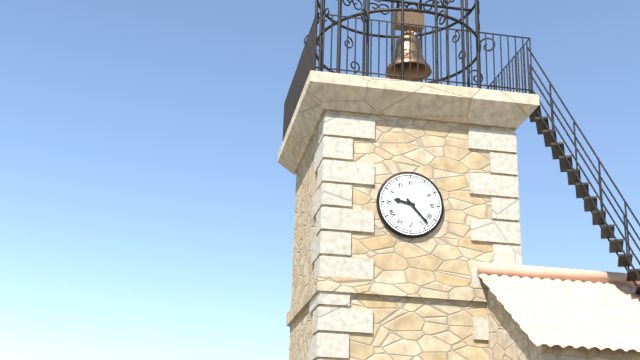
9:23
